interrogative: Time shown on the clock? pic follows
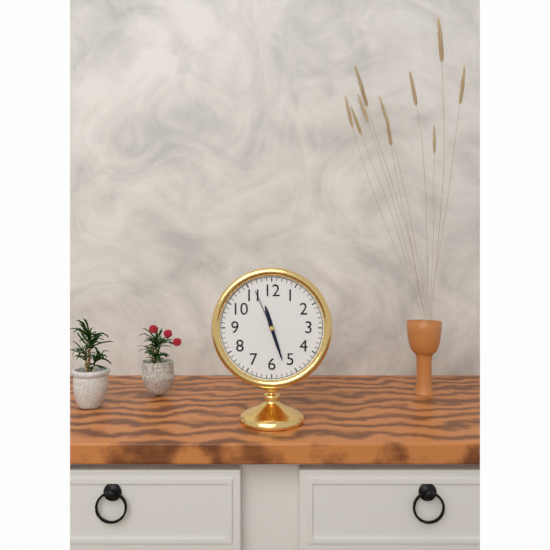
11:27:56
